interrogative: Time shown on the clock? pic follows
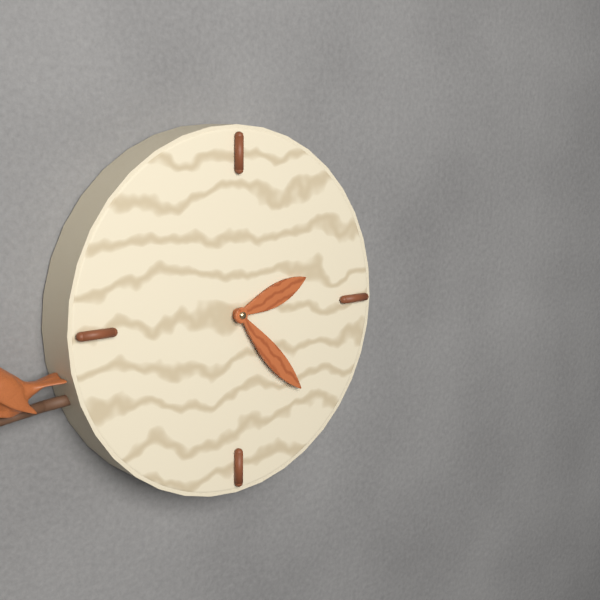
2:23
